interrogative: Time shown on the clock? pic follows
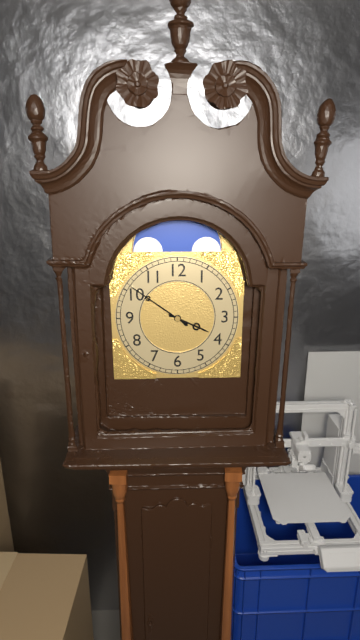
3:51
